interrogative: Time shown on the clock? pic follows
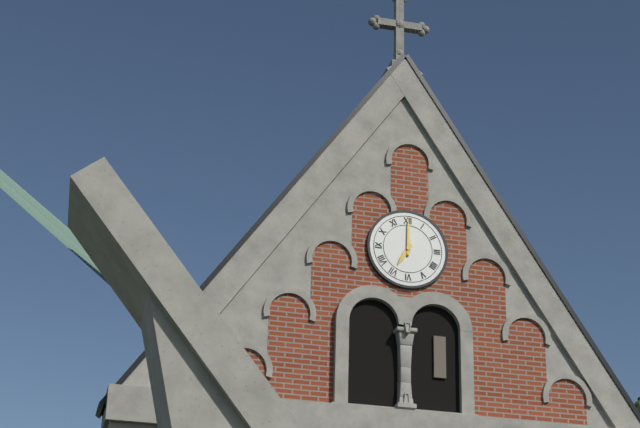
7:00
